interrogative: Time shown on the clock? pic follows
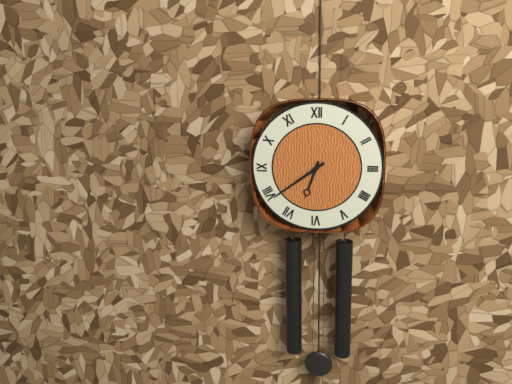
6:39
